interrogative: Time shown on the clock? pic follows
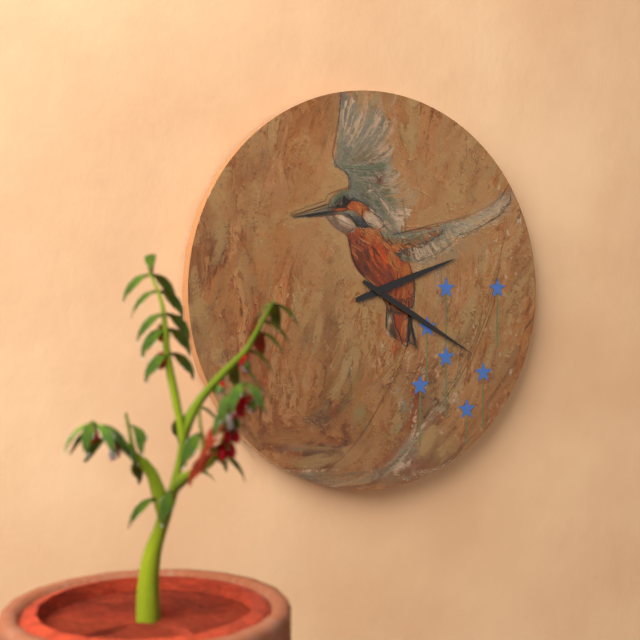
2:20
